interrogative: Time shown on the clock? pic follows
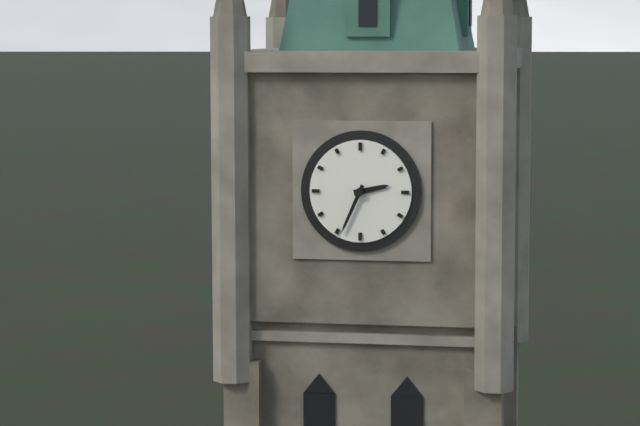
2:34
